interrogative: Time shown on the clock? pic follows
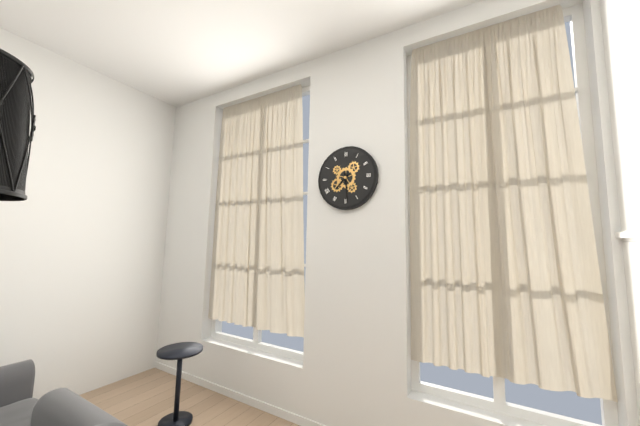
7:29
